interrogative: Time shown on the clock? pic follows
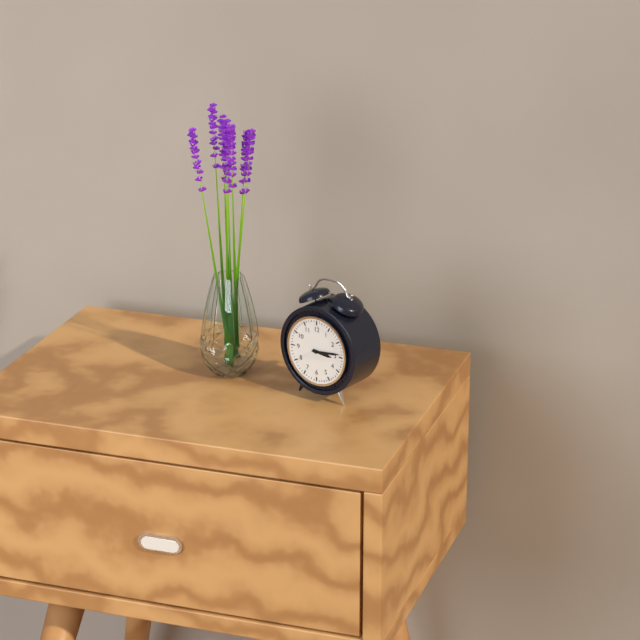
3:14
